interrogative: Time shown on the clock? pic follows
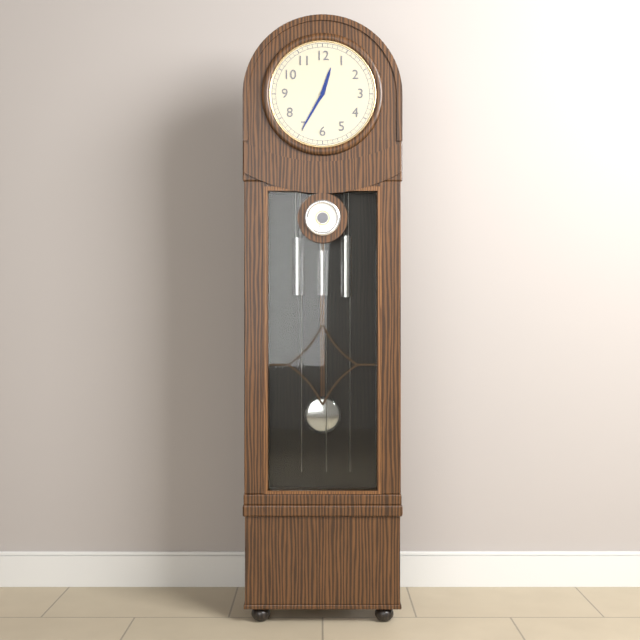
12:35
